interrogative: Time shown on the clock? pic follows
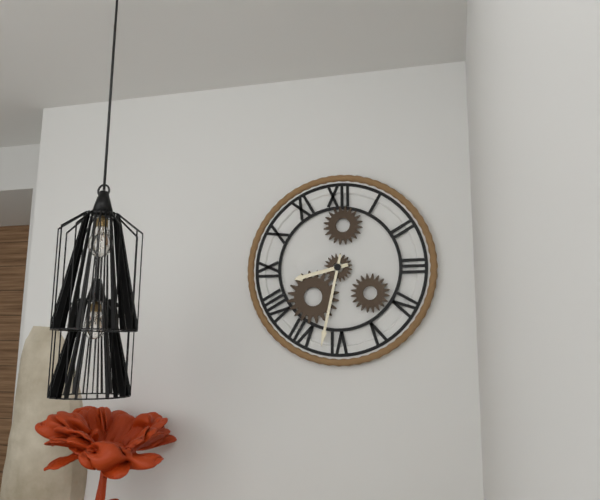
8:32
